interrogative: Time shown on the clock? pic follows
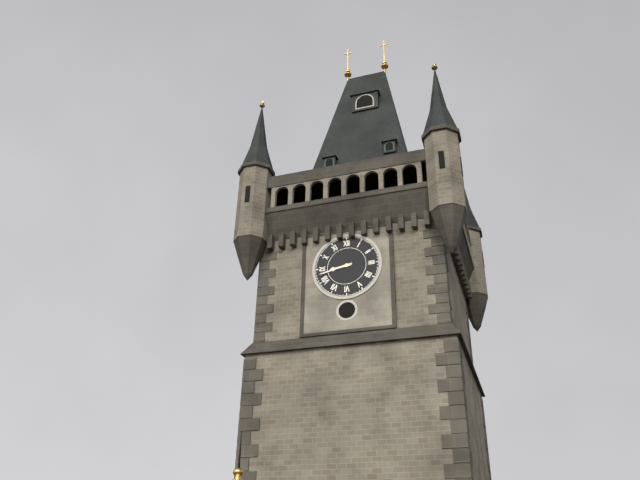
8:43
